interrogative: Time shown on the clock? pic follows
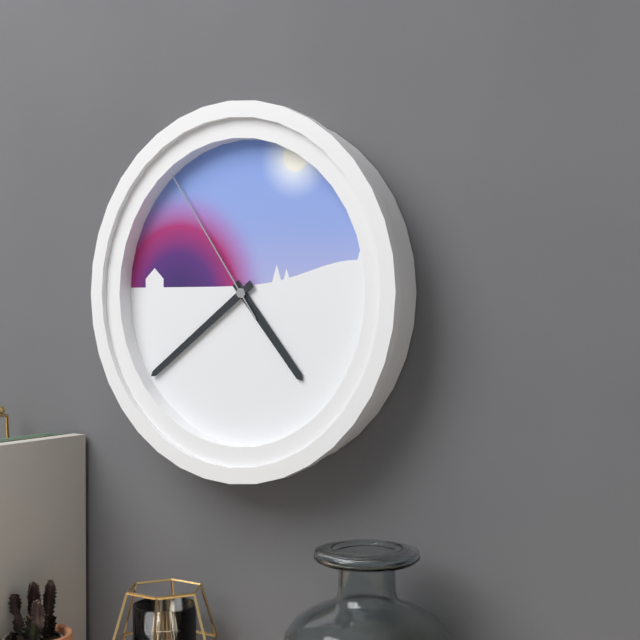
4:39:54
